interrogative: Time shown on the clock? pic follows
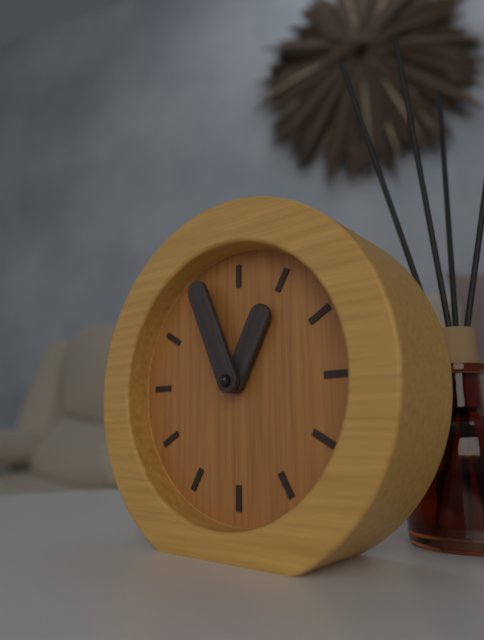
12:56
